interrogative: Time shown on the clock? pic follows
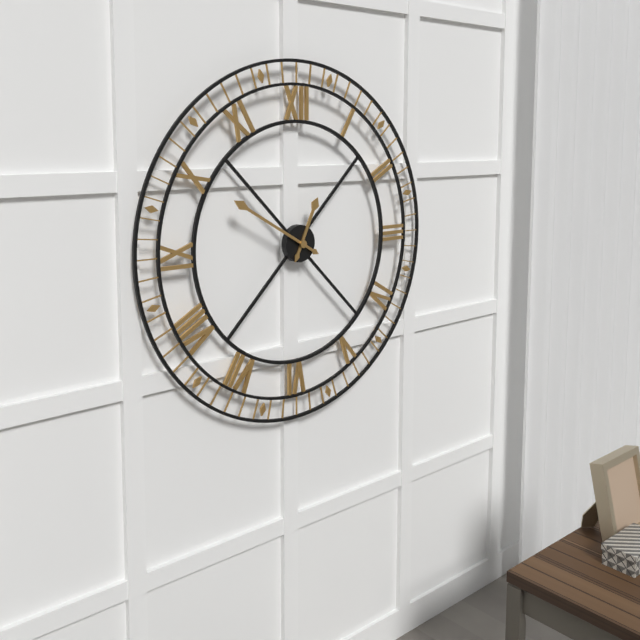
12:50
